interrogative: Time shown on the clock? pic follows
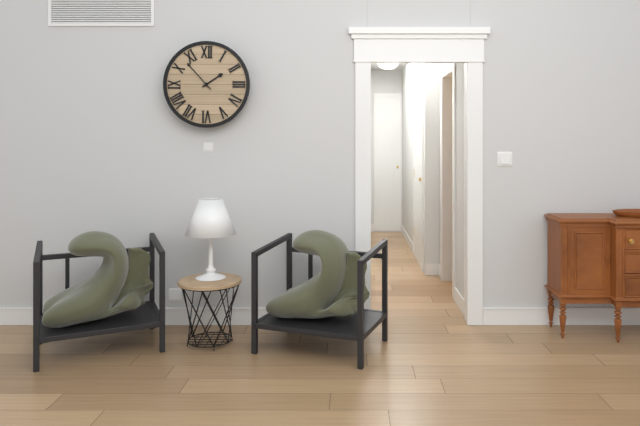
1:53
